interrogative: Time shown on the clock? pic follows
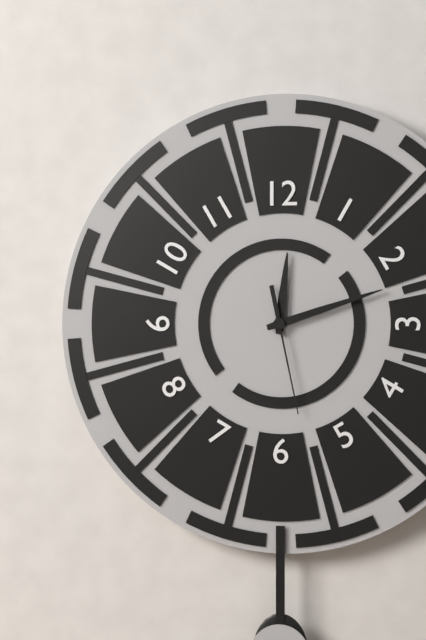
12:12:28
